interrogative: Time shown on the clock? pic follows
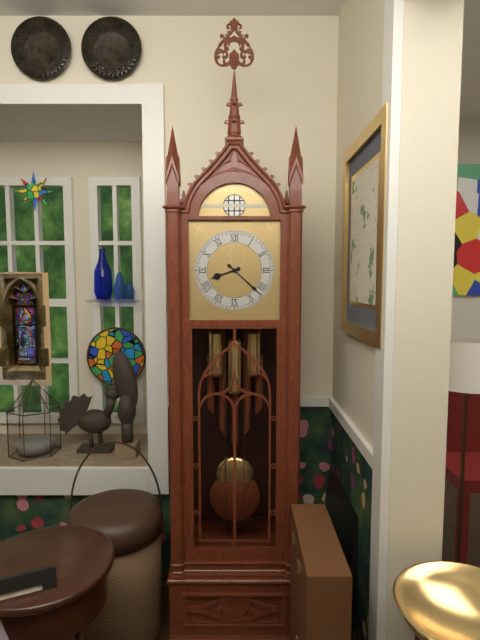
8:22
